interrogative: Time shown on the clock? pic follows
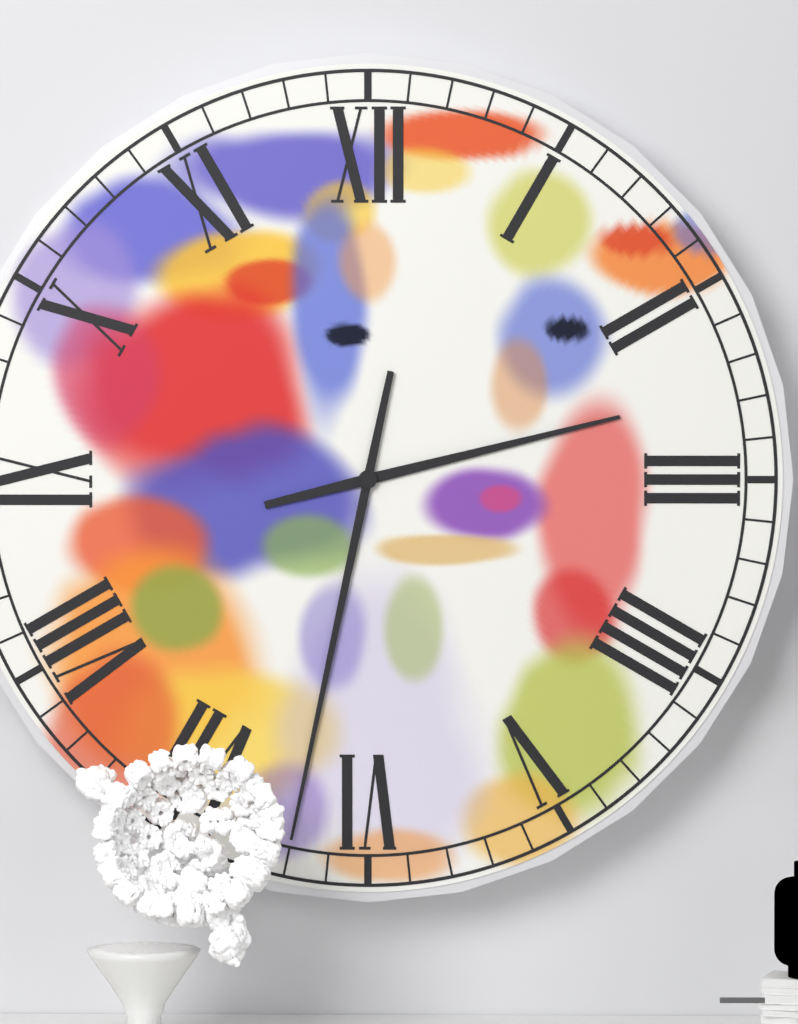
2:32
